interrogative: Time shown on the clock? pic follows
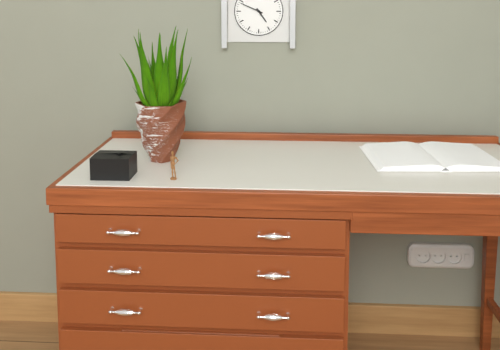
4:49
